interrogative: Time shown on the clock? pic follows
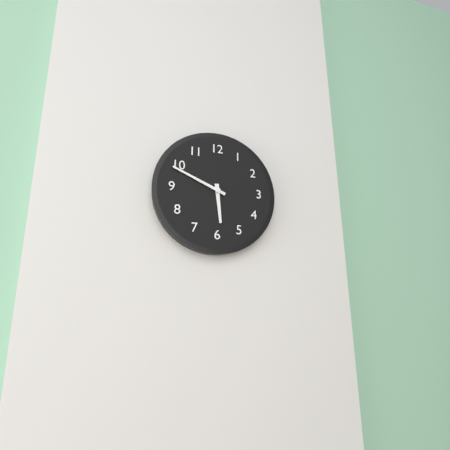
5:49
